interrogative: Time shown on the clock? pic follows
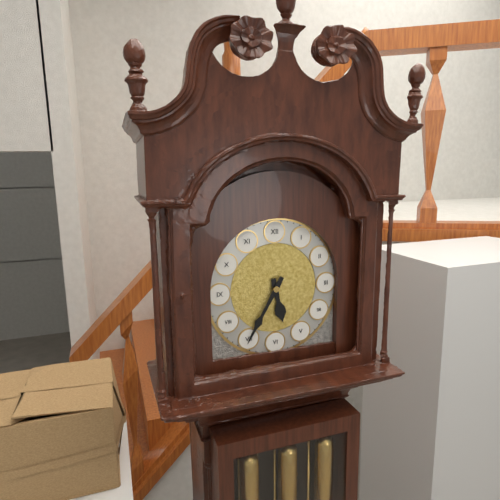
5:35
